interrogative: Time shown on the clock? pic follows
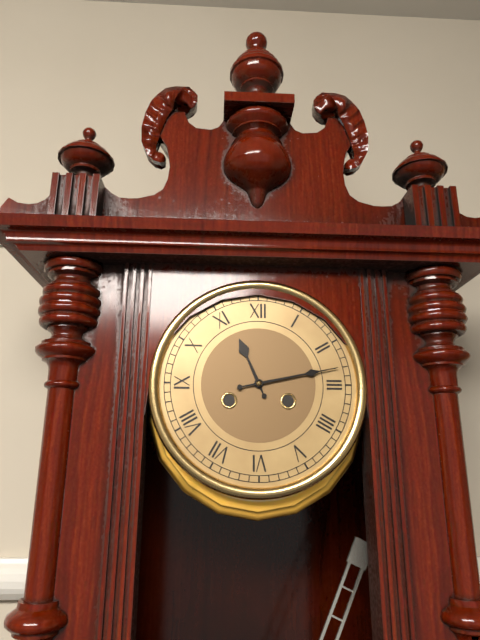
11:13
